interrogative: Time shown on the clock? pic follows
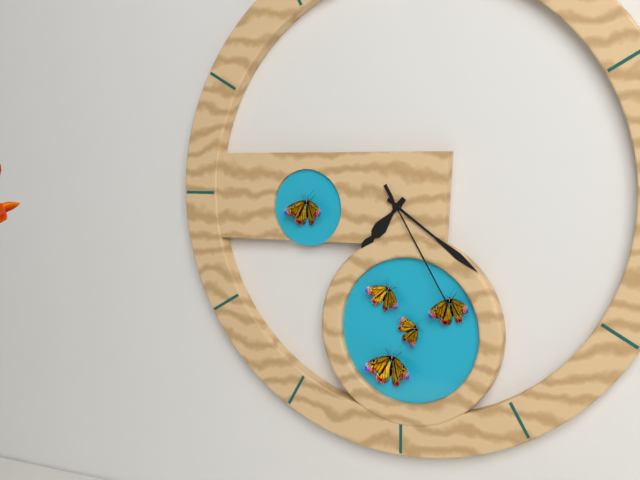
7:21:25
